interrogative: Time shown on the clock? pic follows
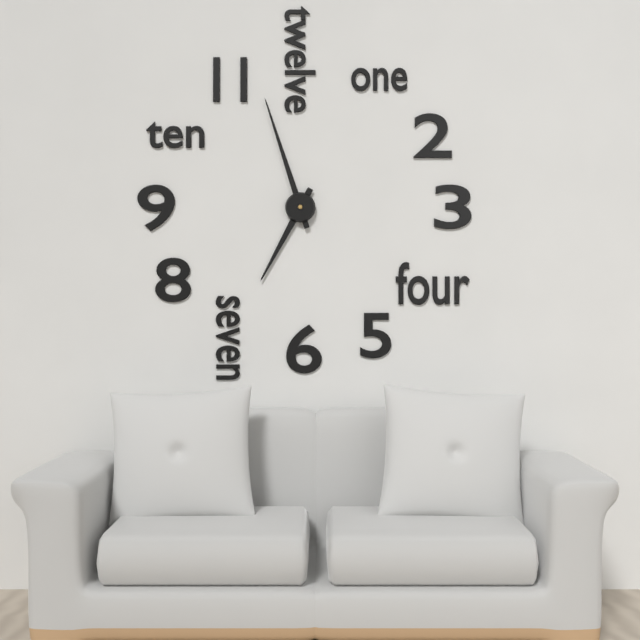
6:57
